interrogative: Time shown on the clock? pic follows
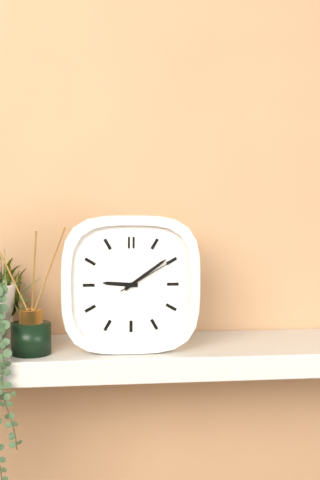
9:09:10
